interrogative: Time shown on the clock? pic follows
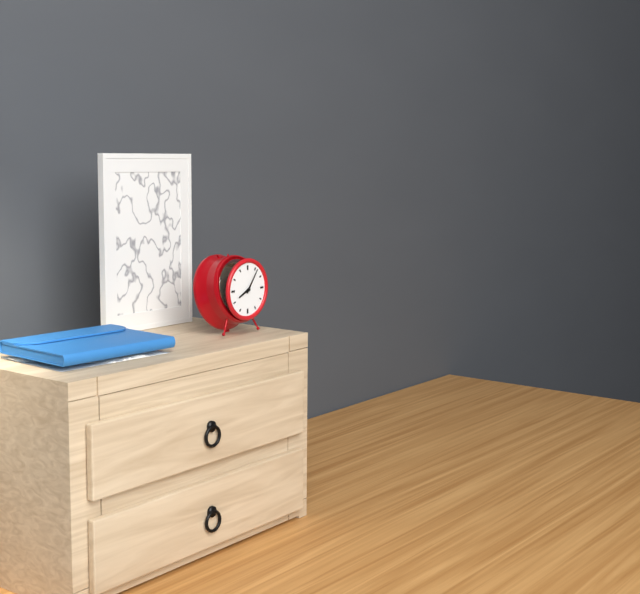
8:06
